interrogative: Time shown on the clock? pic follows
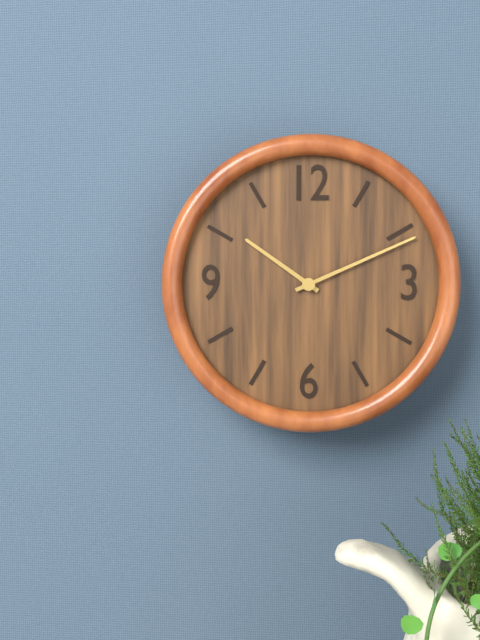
10:11
